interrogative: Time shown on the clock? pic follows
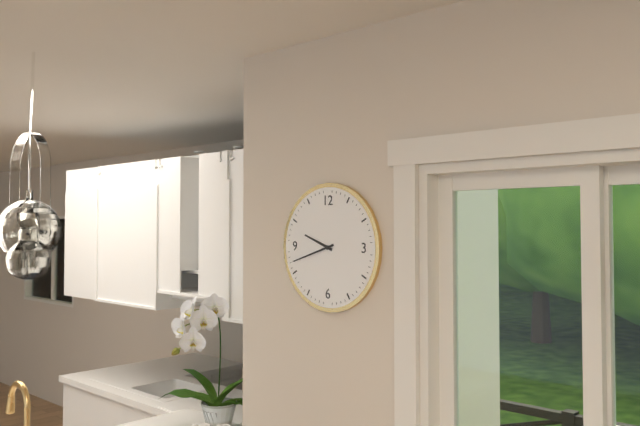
9:42
